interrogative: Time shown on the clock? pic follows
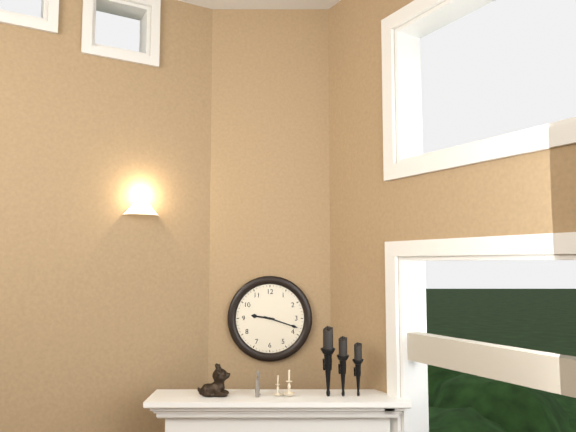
9:18
